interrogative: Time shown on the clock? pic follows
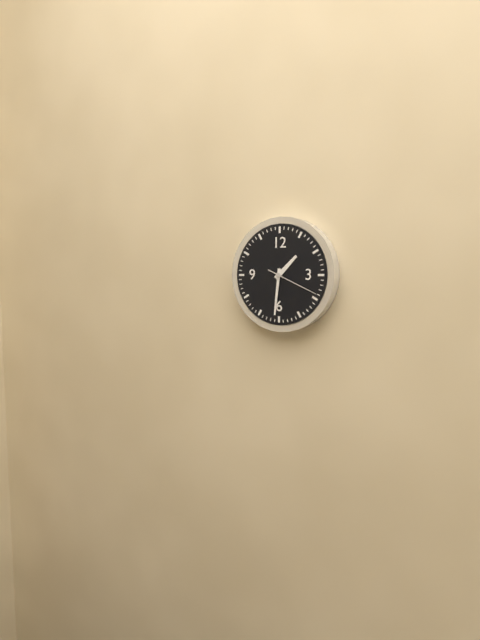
1:31:19
